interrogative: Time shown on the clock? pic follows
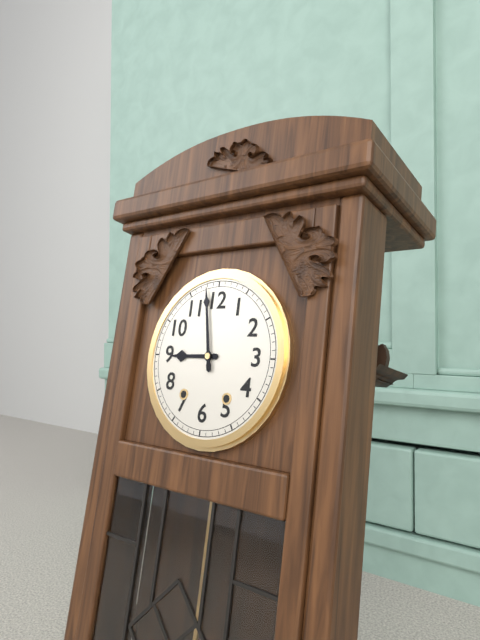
8:58
